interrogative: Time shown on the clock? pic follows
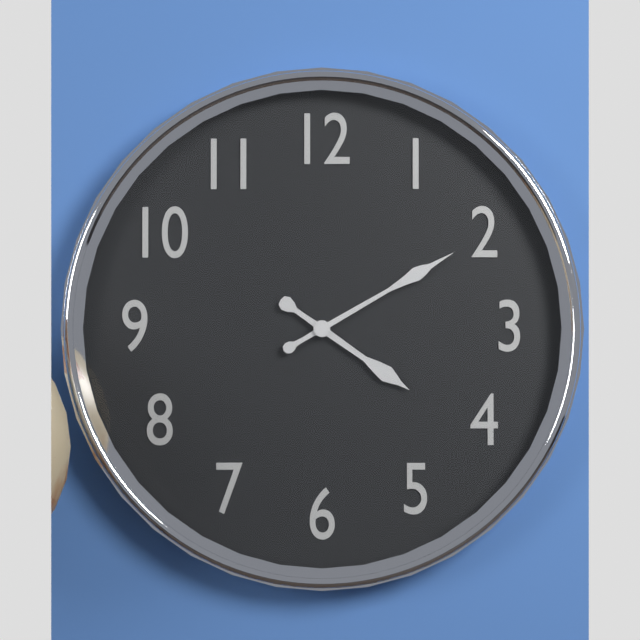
4:10
